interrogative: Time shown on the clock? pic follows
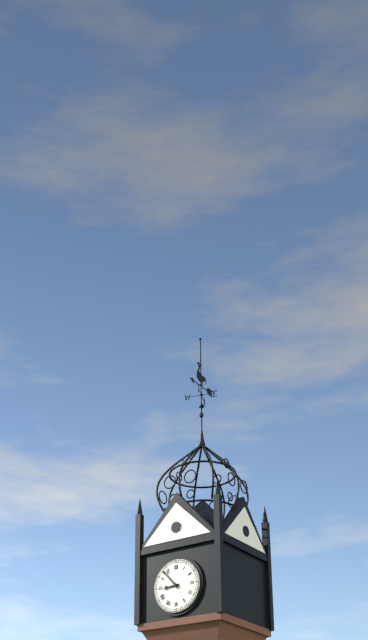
8:53
